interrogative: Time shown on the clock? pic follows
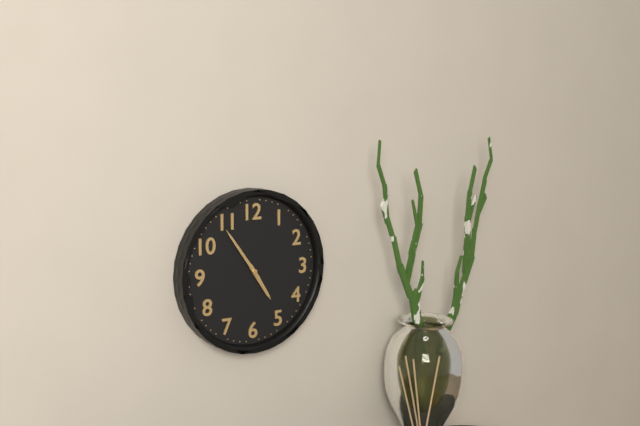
4:54
